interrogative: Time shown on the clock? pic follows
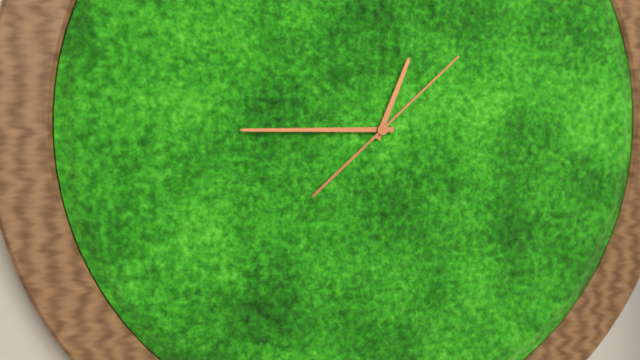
12:45:08
